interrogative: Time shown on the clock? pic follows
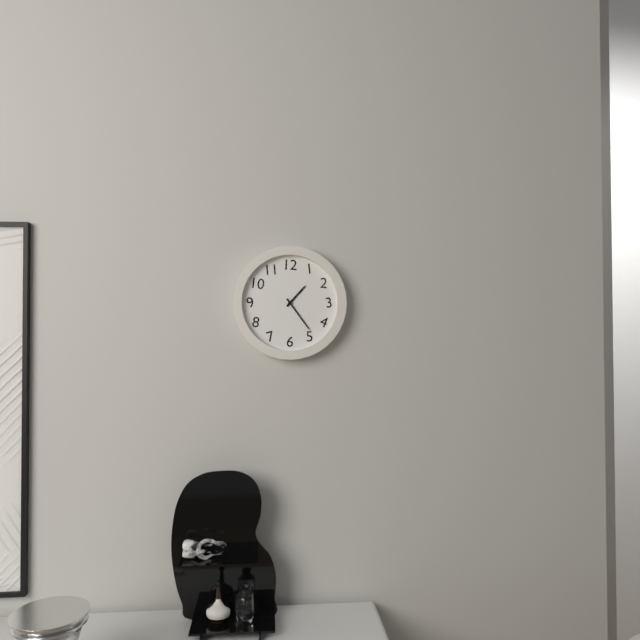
1:24
